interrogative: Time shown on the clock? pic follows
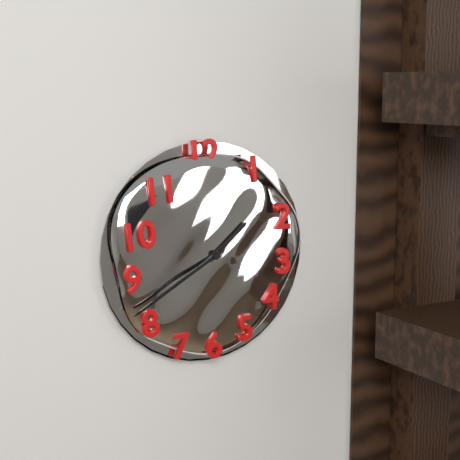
1:40
